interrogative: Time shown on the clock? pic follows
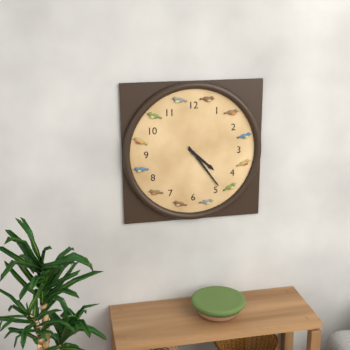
4:24
